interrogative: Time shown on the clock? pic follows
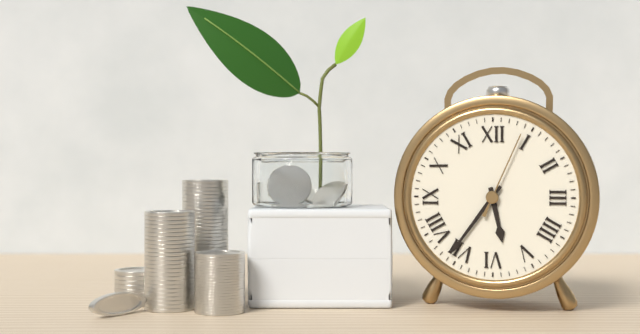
5:36:04
